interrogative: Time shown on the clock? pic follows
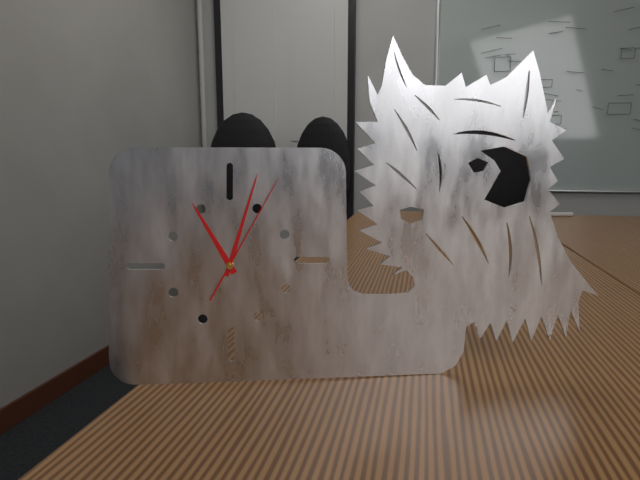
11:03:05
